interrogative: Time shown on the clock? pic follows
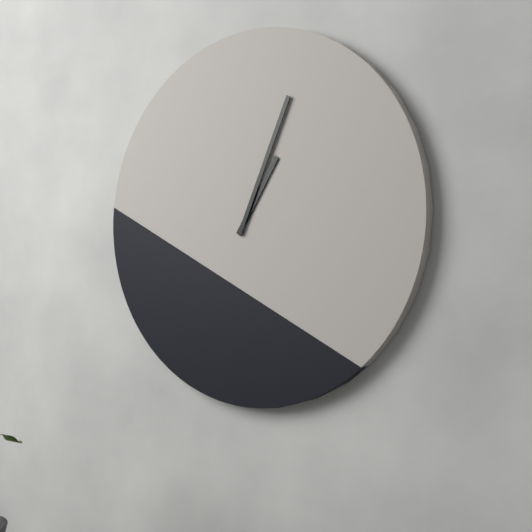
1:04
